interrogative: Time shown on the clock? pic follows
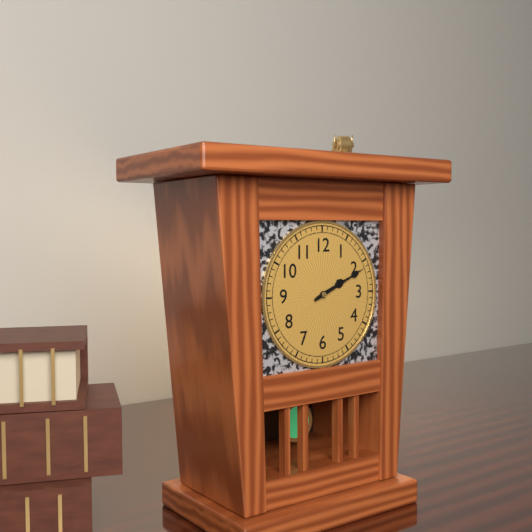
2:11
